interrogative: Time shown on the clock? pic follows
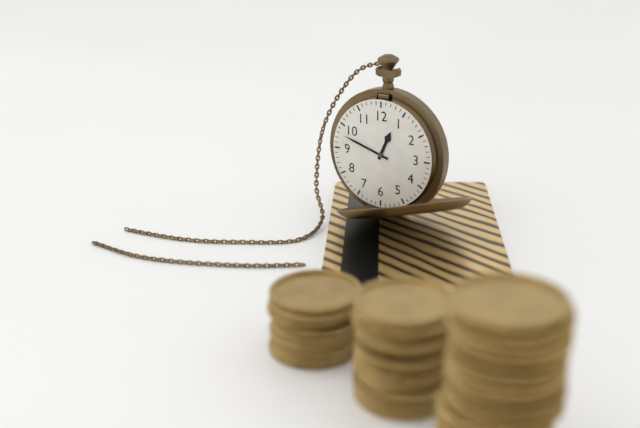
12:48
